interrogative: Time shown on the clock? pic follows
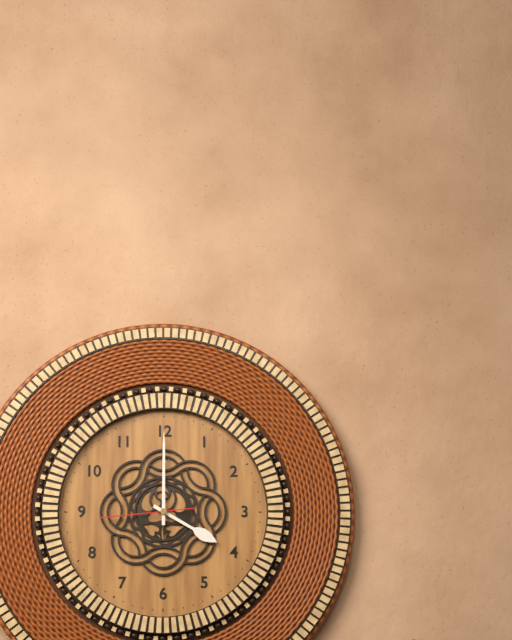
4:00:44
